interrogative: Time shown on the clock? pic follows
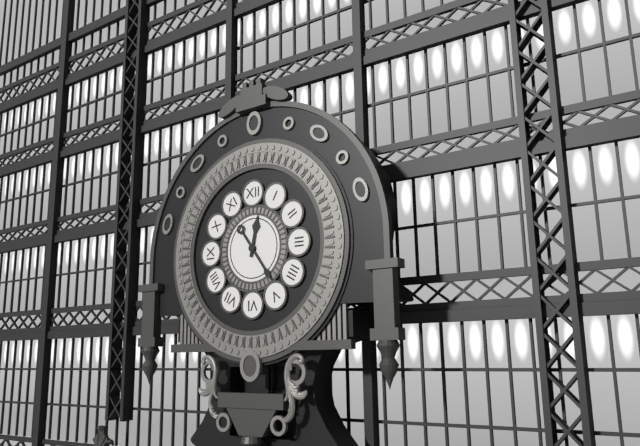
12:24
